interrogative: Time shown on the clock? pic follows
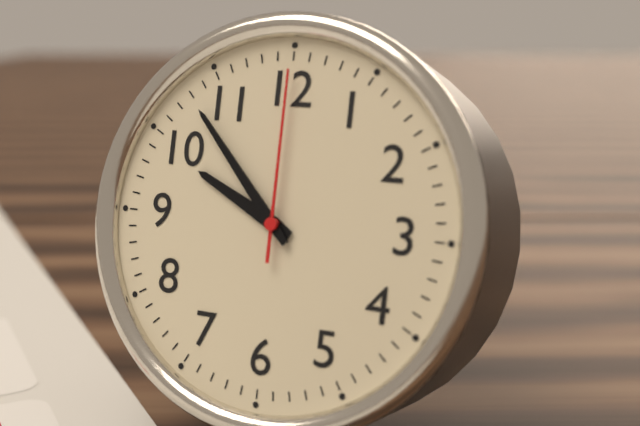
9:53:00
